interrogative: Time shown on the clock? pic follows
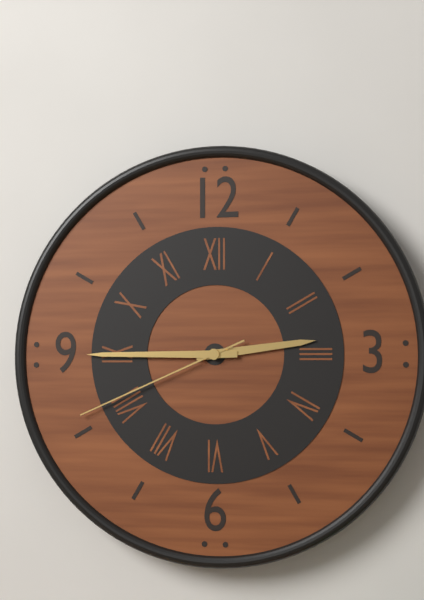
2:45:41
